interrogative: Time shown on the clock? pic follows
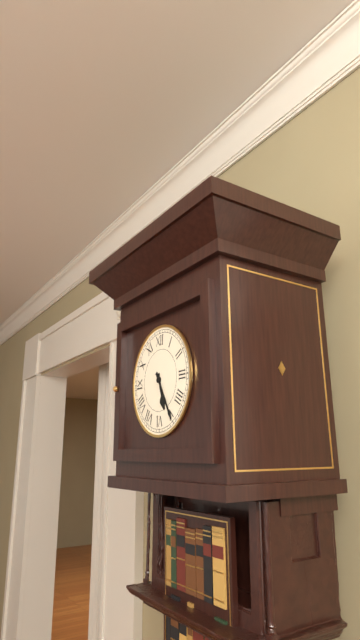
5:25
